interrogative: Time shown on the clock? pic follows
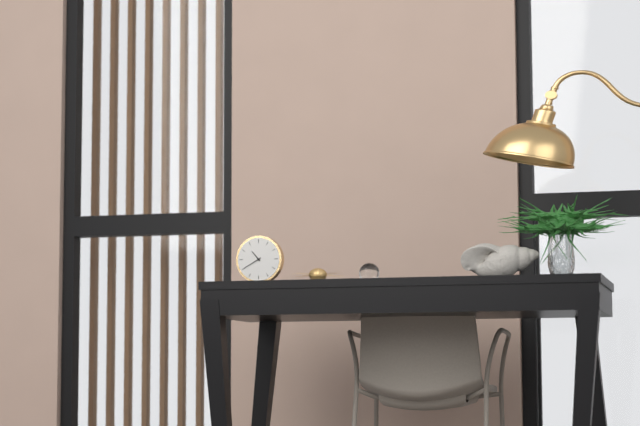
10:40
